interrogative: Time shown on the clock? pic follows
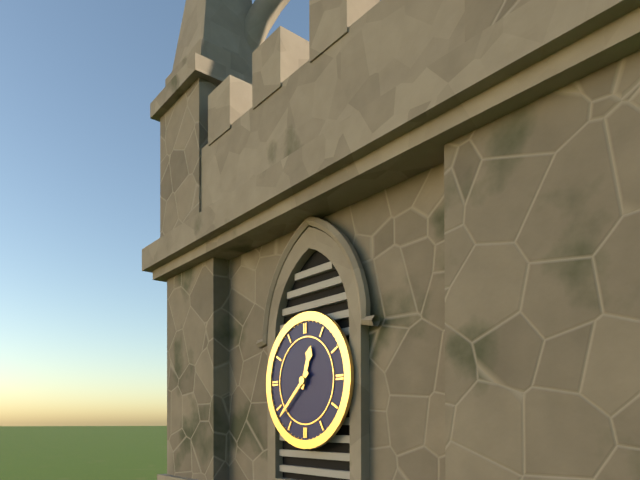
12:38
